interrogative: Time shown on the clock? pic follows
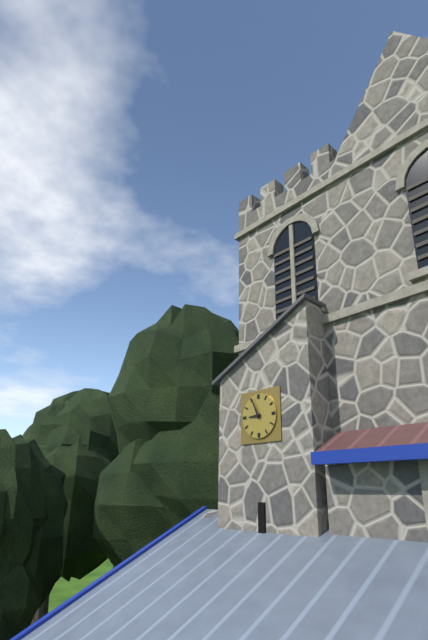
8:56
